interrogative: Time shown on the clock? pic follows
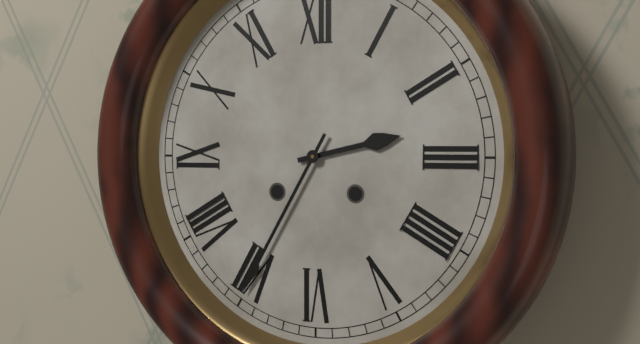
2:35
